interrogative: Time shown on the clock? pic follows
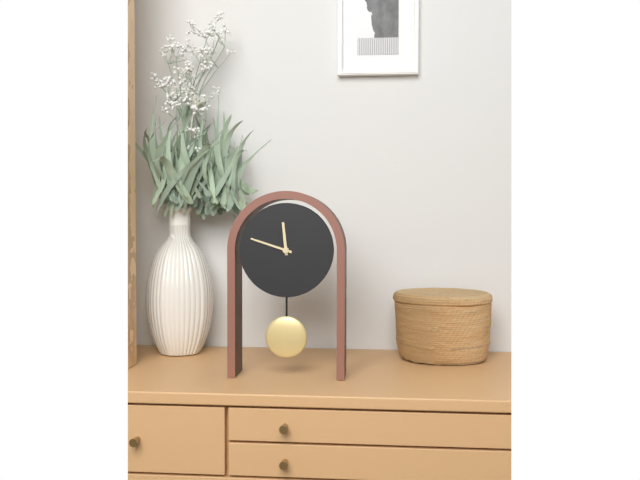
11:48
